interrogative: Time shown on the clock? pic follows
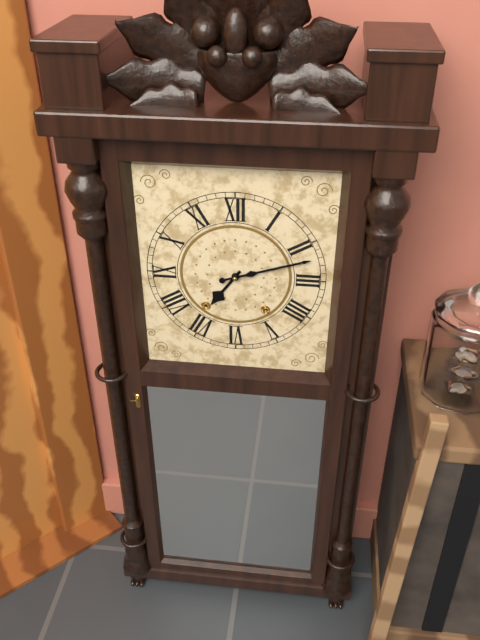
7:12
